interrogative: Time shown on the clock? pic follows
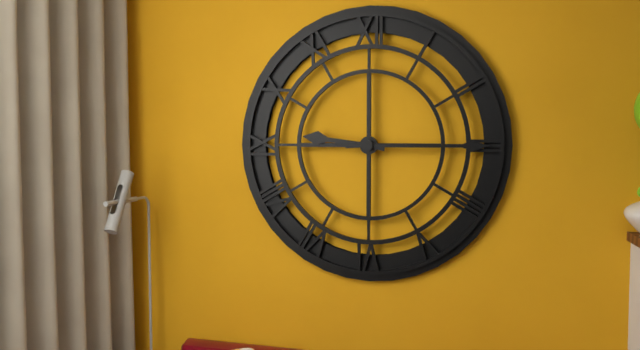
9:15
